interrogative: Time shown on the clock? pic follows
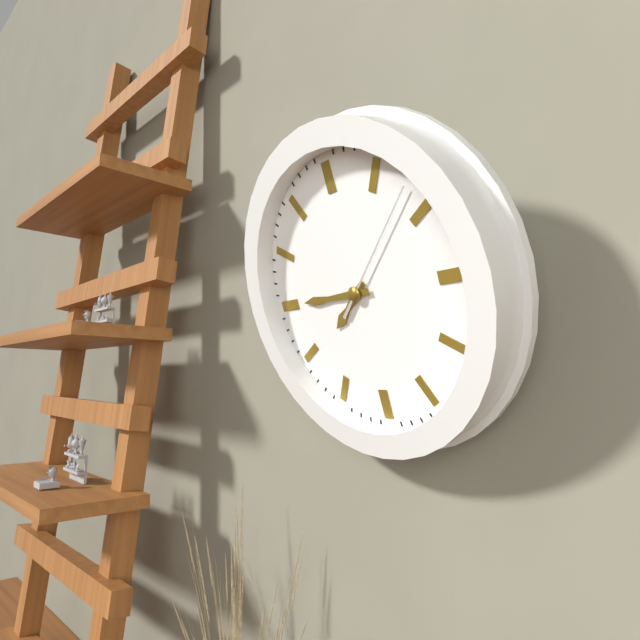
7:45:08
